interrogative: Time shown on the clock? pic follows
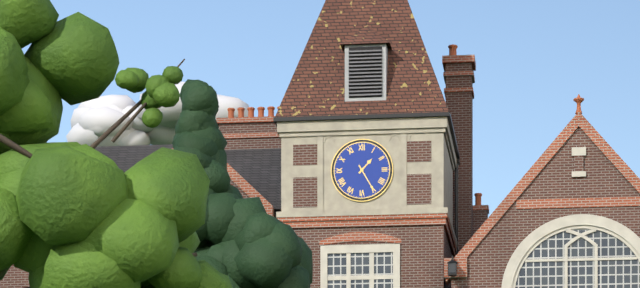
1:25
